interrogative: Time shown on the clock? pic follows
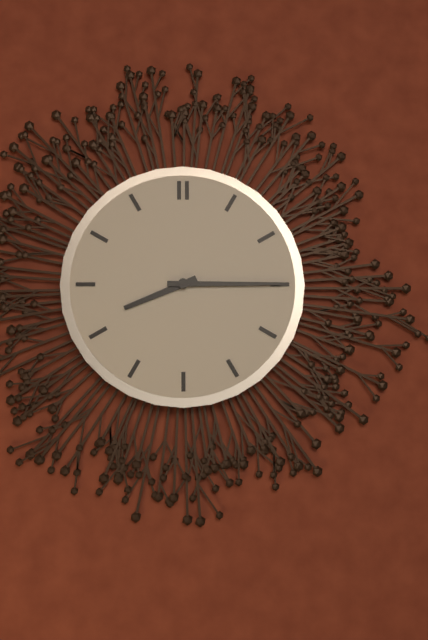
8:15
